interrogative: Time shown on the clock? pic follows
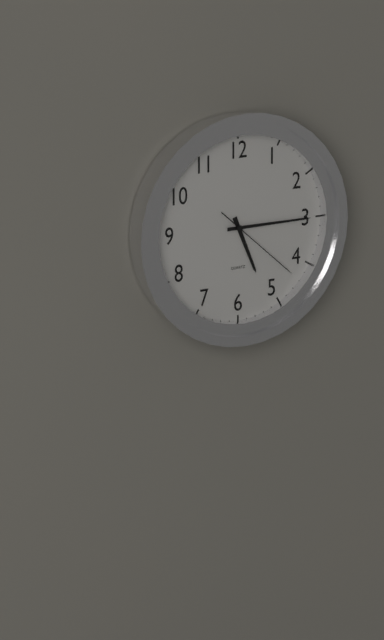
5:15:22
